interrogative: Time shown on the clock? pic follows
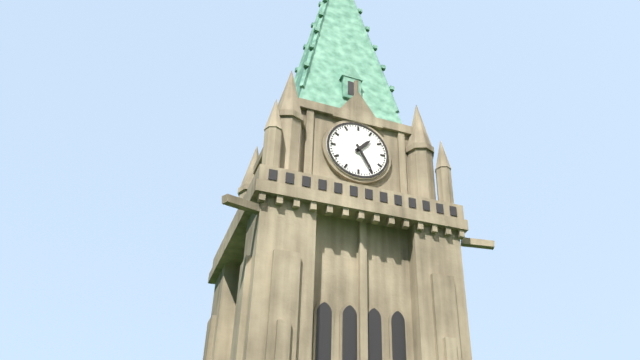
1:25
